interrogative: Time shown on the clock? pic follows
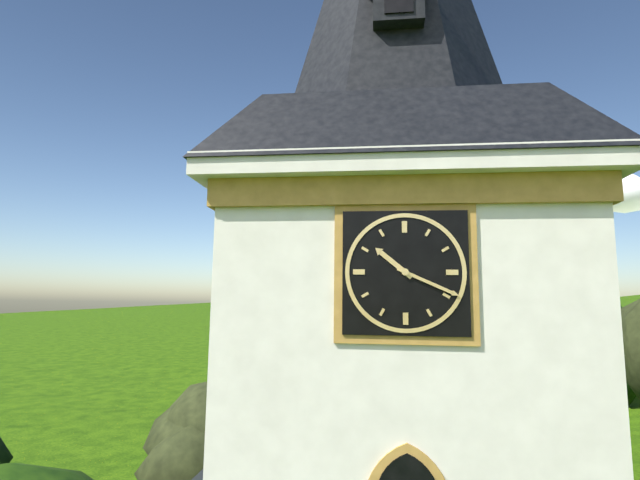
10:19
